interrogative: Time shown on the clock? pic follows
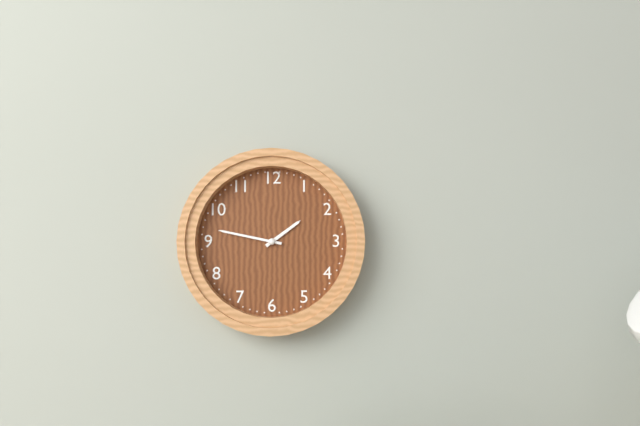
1:47
